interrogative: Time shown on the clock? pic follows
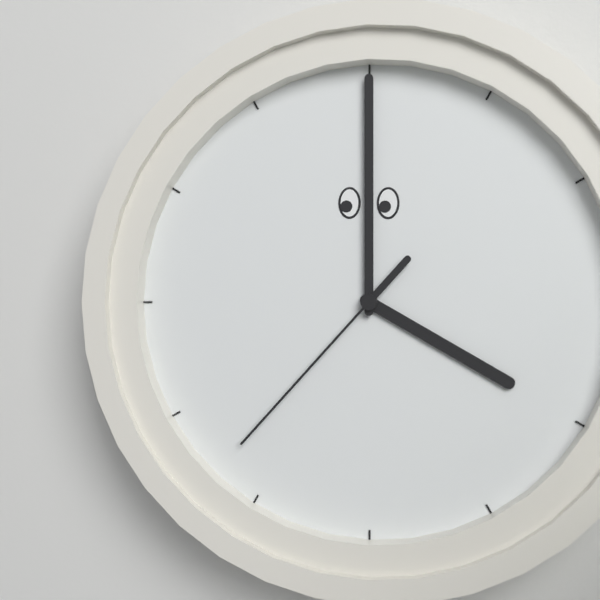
4:00:37
